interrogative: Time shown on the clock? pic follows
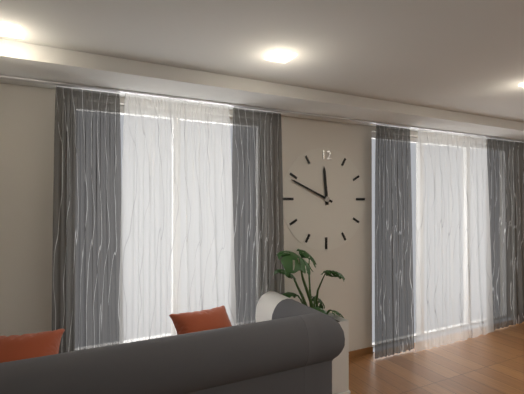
11:49
